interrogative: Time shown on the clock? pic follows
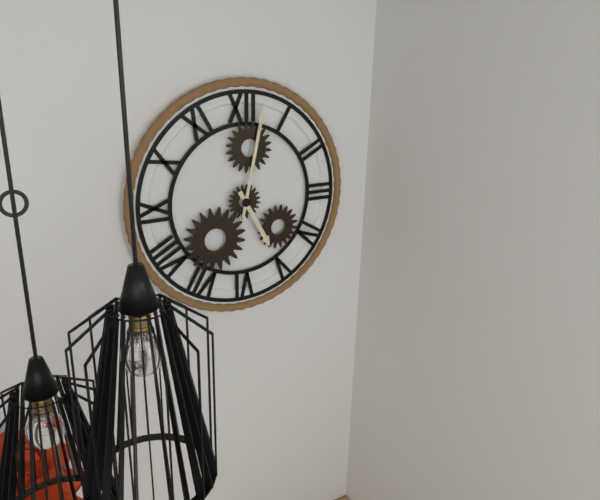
5:02
